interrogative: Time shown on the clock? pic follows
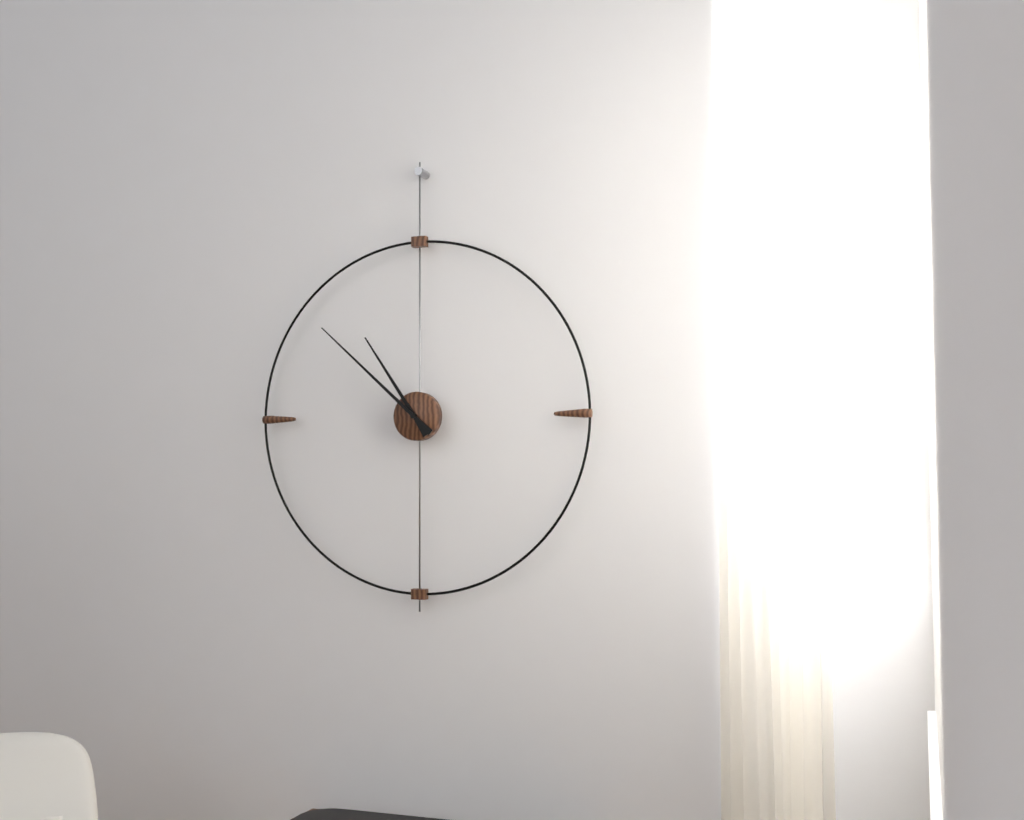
10:52
